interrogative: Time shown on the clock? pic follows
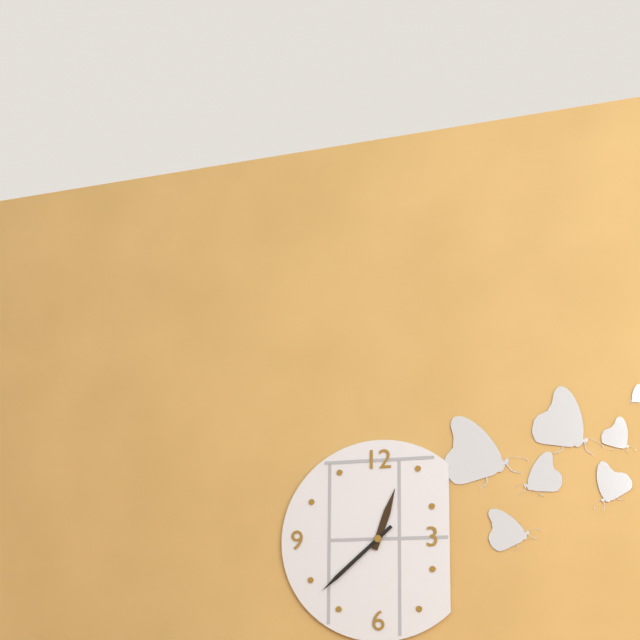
12:38
